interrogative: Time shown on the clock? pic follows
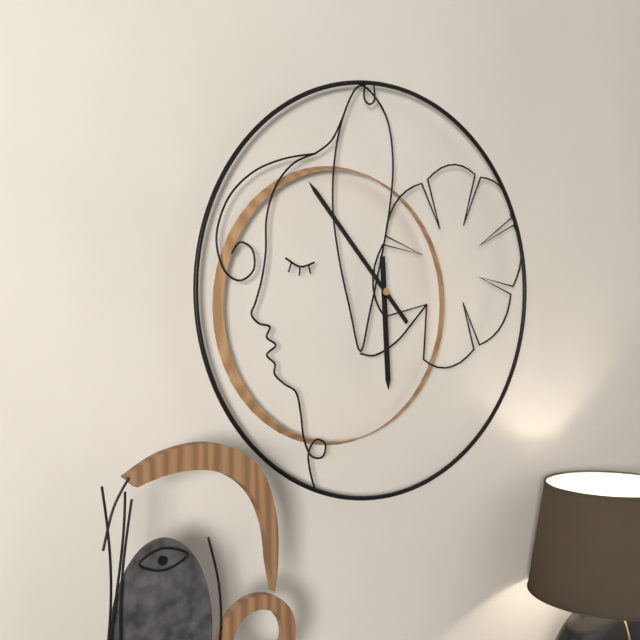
5:53
